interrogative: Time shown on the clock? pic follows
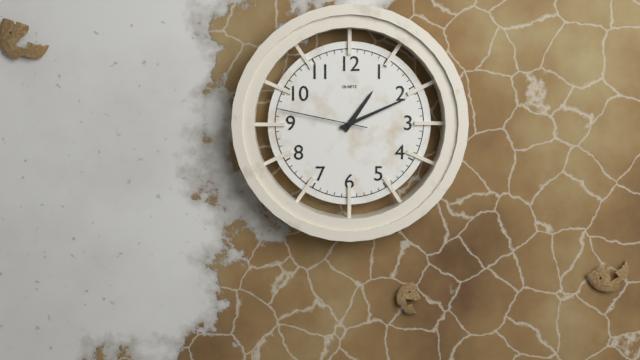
1:11:47
